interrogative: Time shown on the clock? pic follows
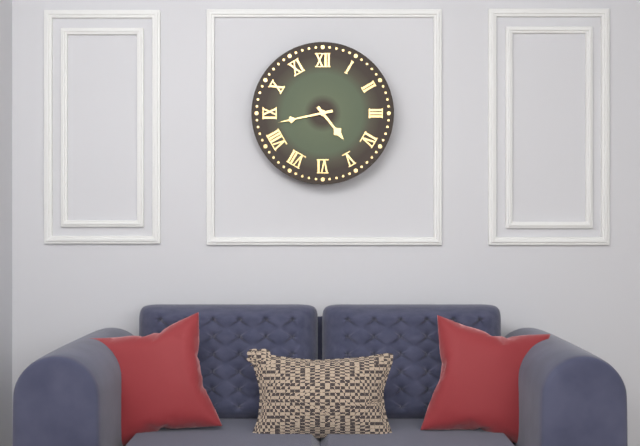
4:43
